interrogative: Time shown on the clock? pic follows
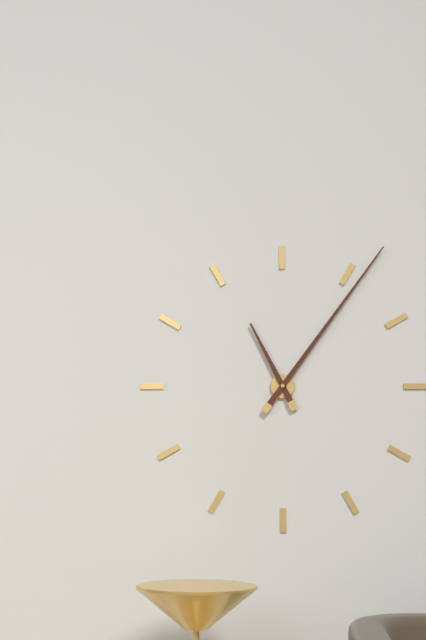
11:06
